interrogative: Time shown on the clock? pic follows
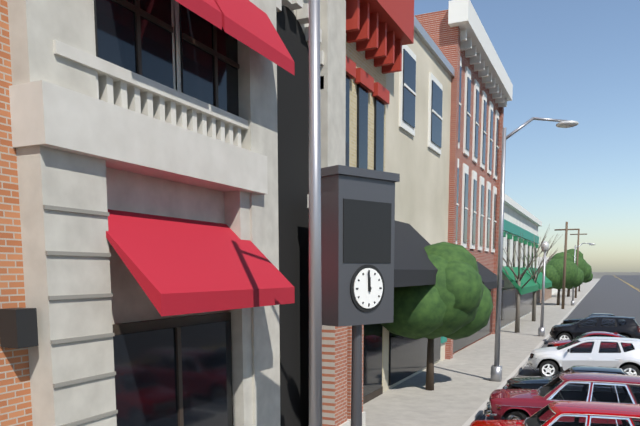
11:59
